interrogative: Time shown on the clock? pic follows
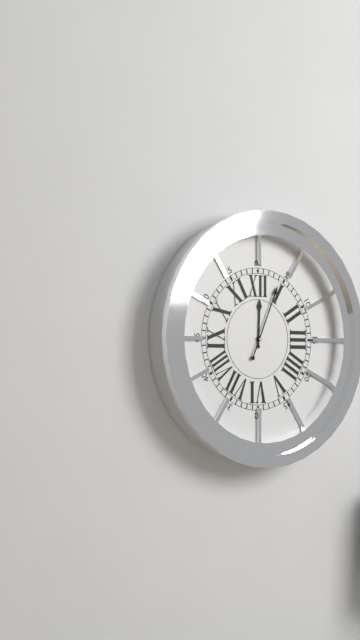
12:04
